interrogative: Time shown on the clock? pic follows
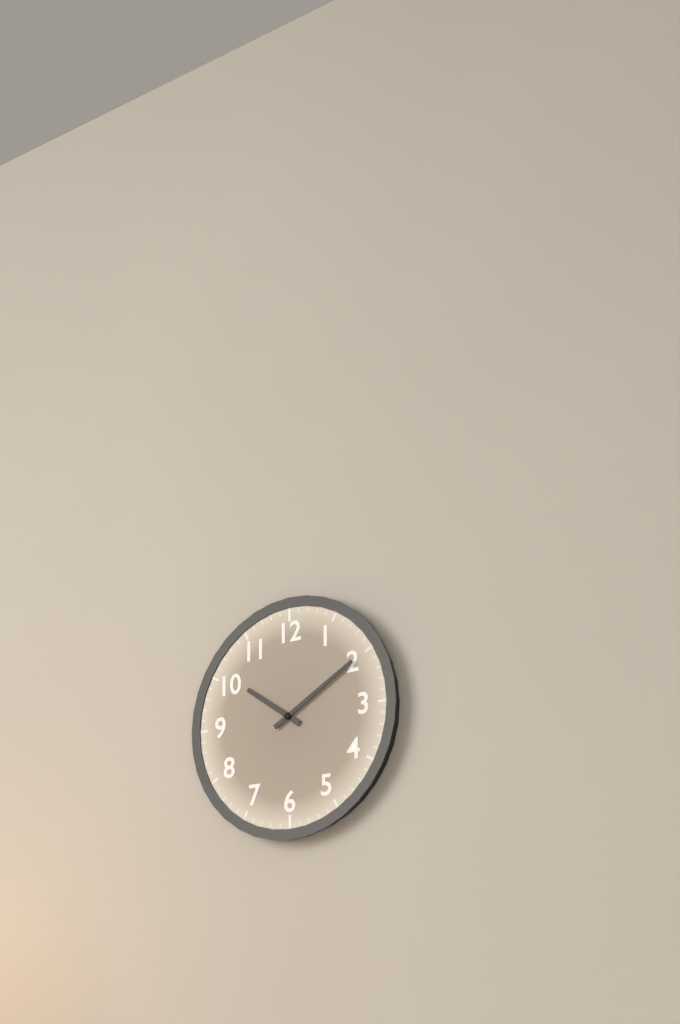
10:10
